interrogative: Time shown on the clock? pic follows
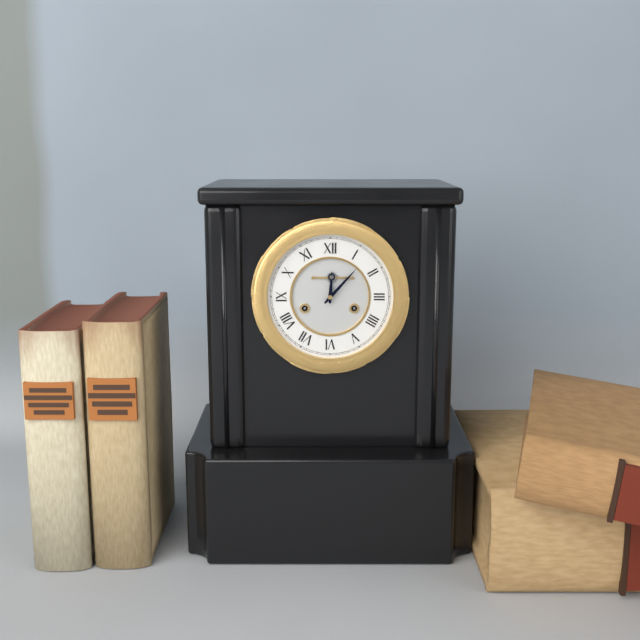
12:07
